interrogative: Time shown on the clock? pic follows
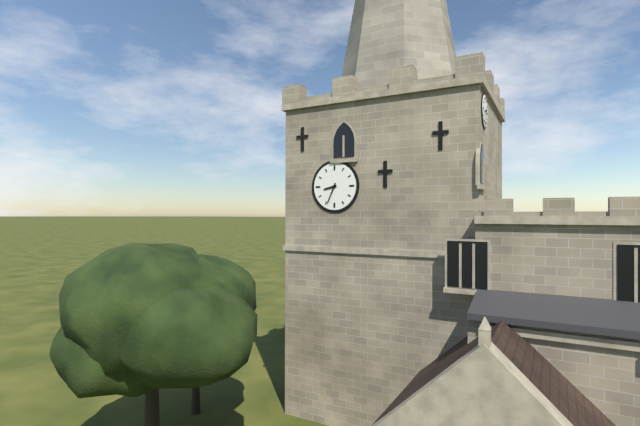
8:34
